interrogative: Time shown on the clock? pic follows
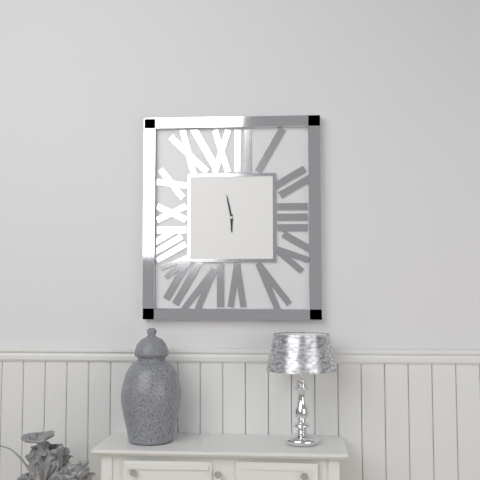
5:58
